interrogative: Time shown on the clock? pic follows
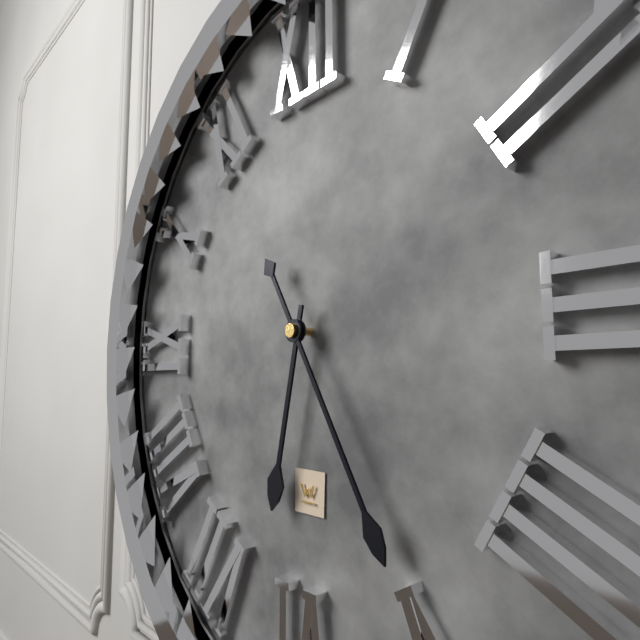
6:25
